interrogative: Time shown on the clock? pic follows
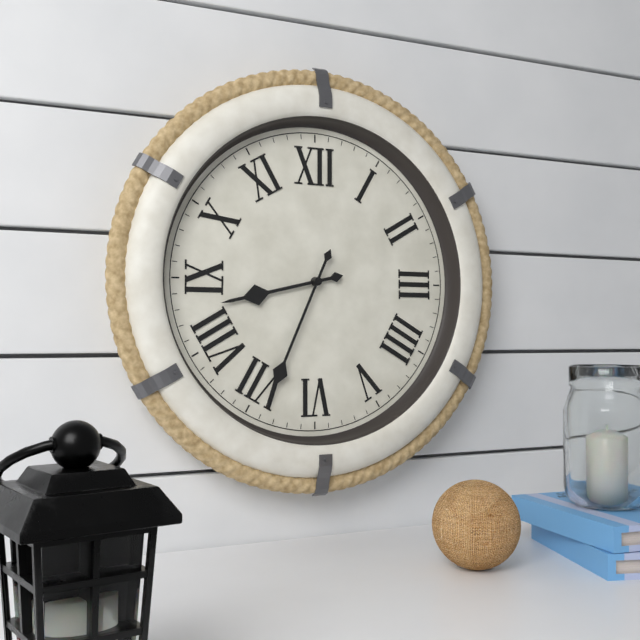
8:34
